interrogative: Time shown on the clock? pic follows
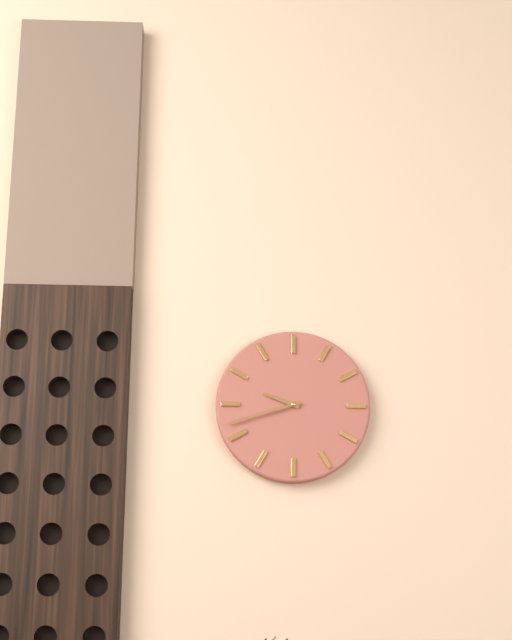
9:42
